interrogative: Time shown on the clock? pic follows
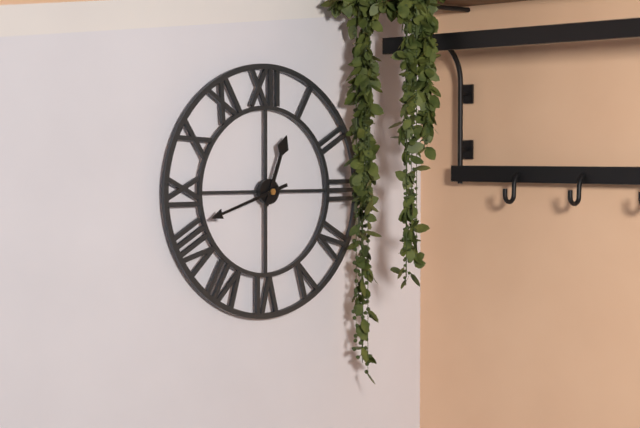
12:42
